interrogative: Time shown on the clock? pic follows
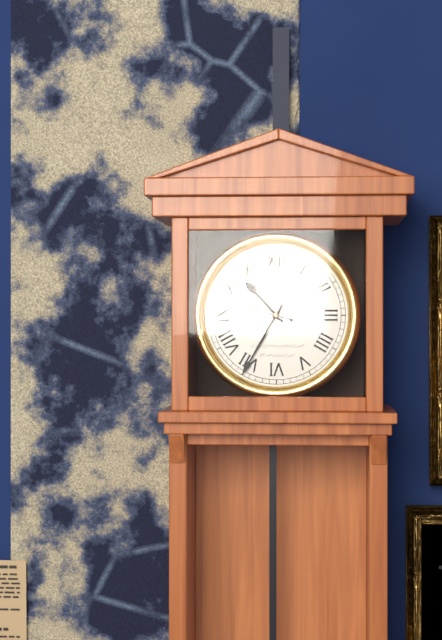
10:35:48
